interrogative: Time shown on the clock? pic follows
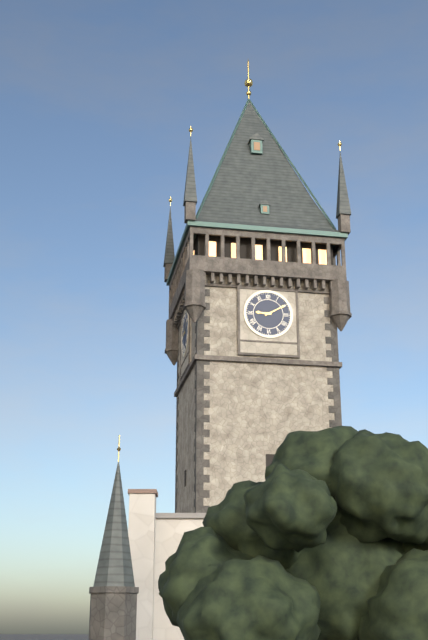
9:10
